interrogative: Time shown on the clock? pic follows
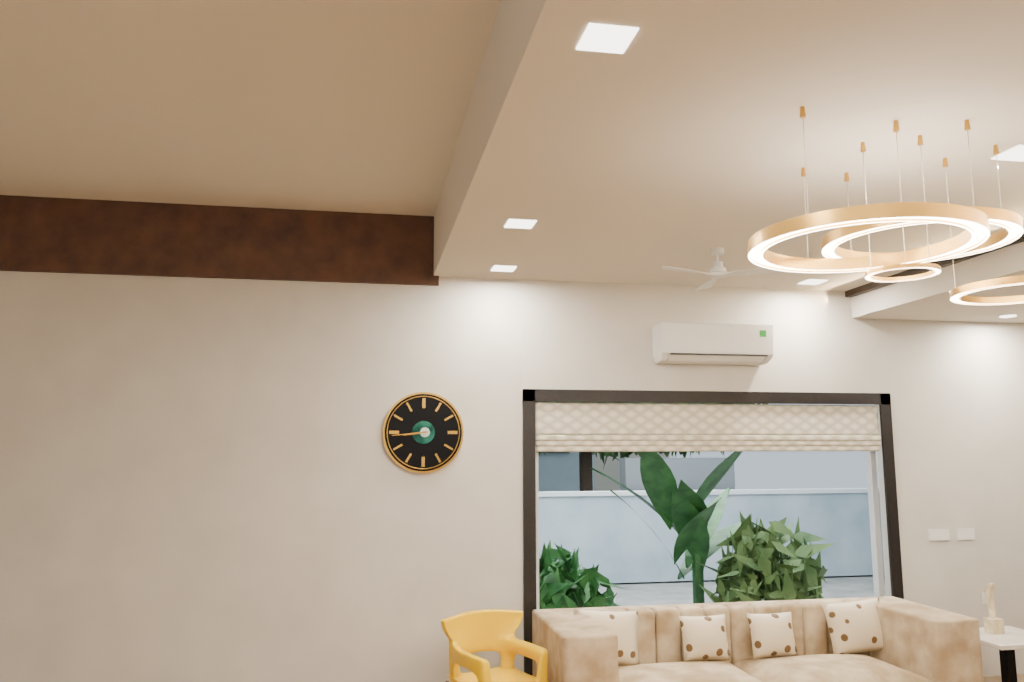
8:44
